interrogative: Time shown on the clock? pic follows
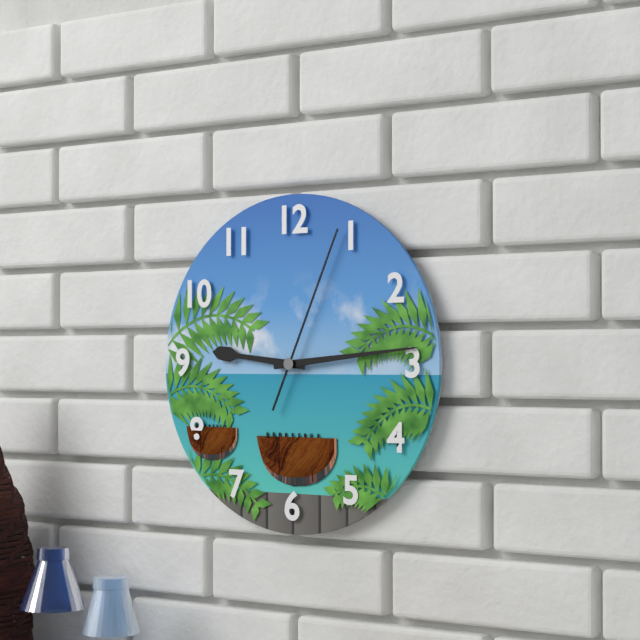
9:14:04
